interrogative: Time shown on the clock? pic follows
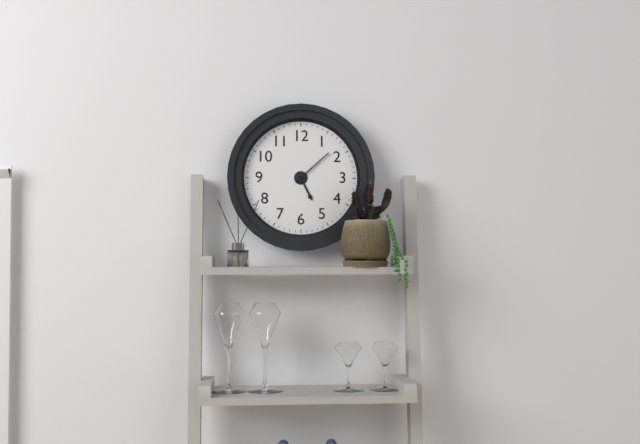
5:08
